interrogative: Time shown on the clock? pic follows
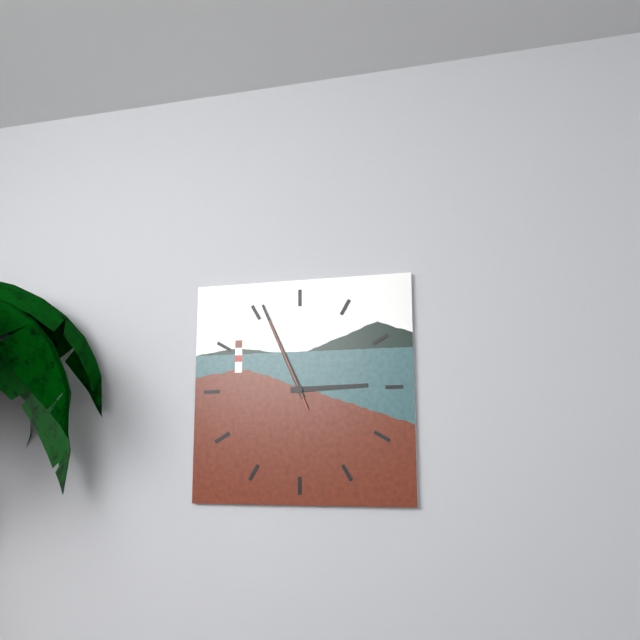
2:56:56
